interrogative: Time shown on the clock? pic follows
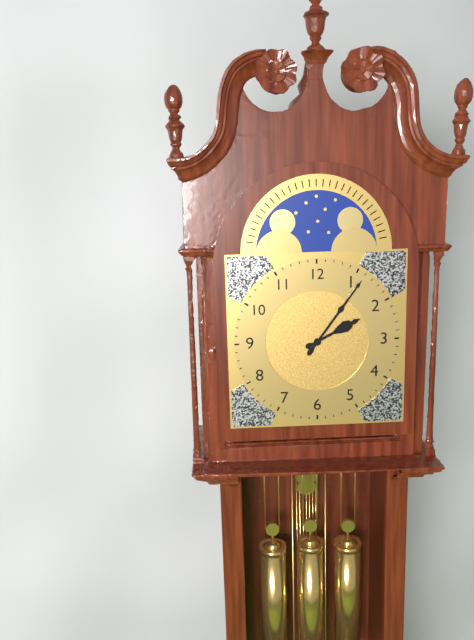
2:06
